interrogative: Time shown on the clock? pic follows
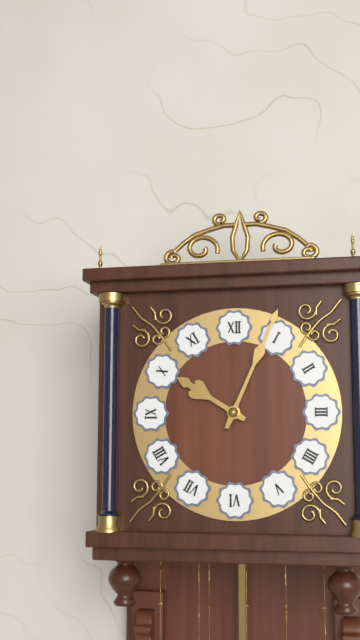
10:04
